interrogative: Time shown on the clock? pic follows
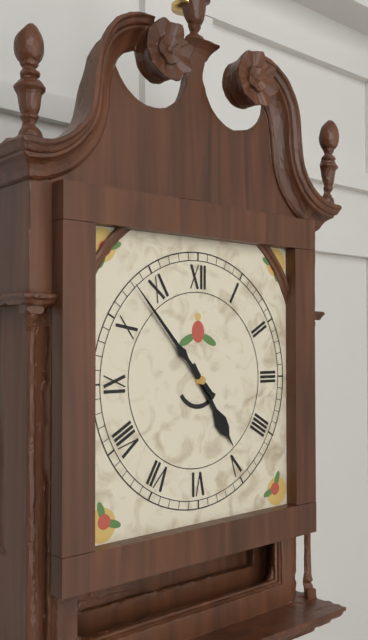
4:53
